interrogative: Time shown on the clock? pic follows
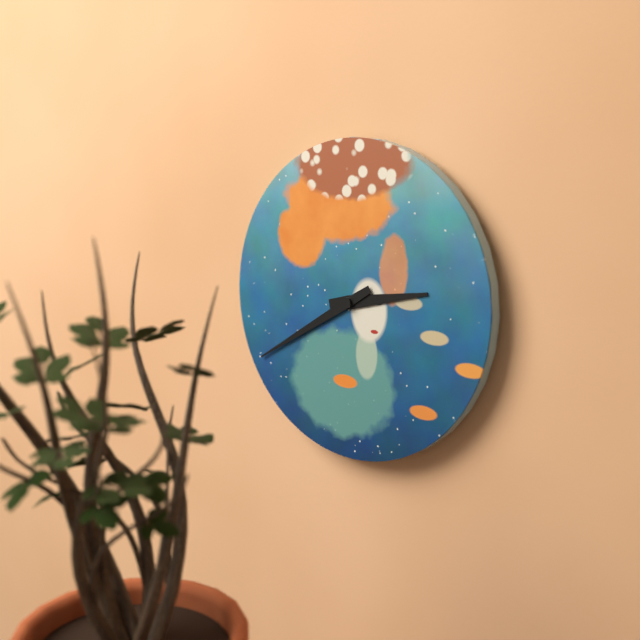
2:40
